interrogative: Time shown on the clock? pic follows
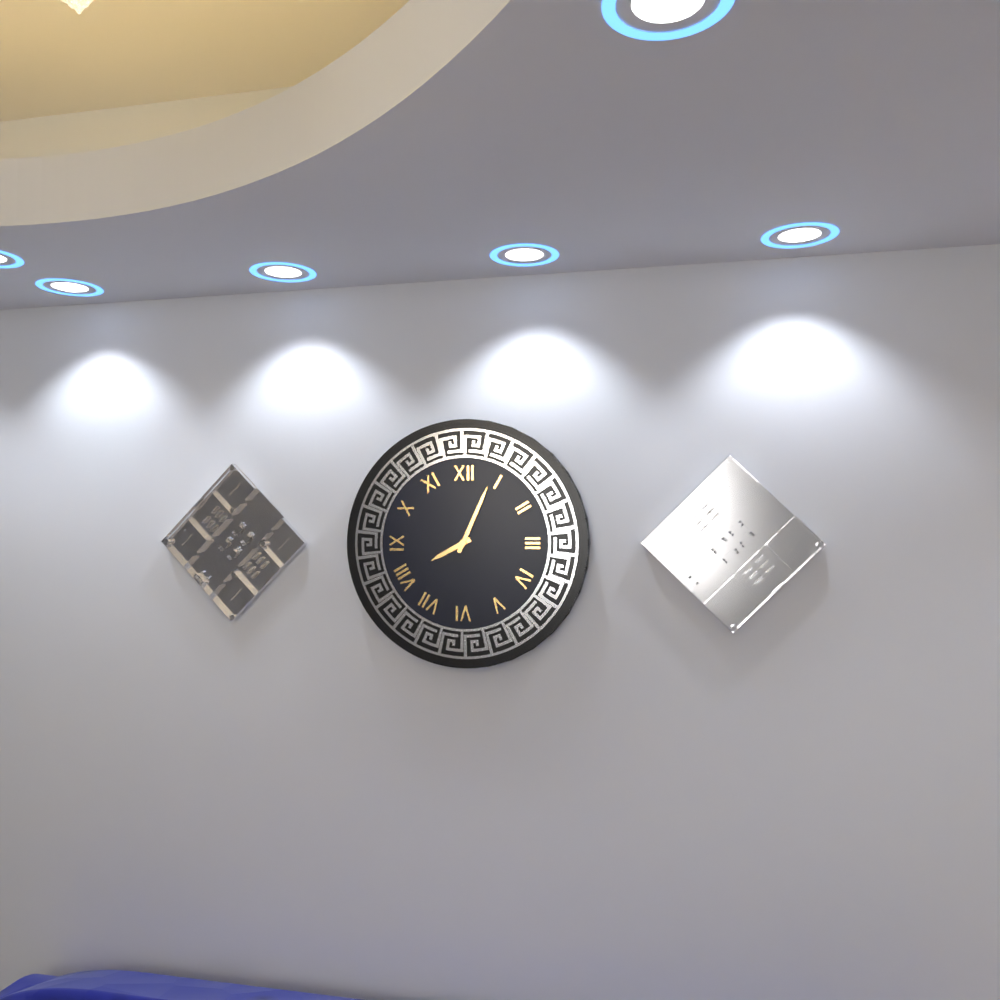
8:04
